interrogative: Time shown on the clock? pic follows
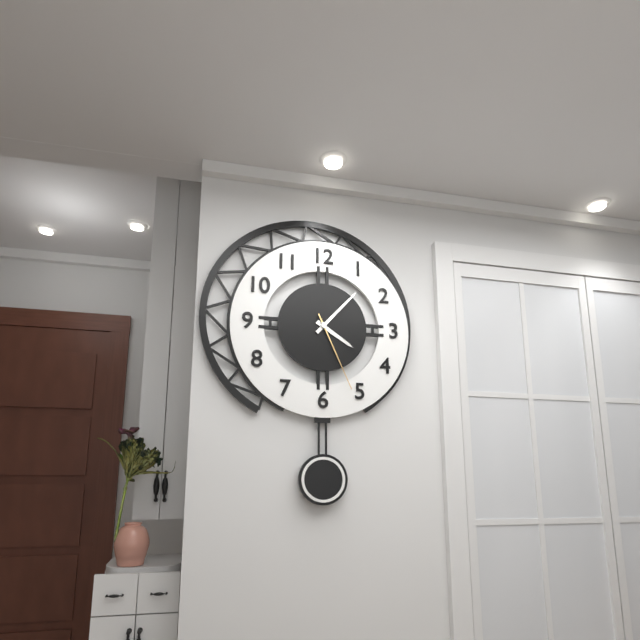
4:07:26
